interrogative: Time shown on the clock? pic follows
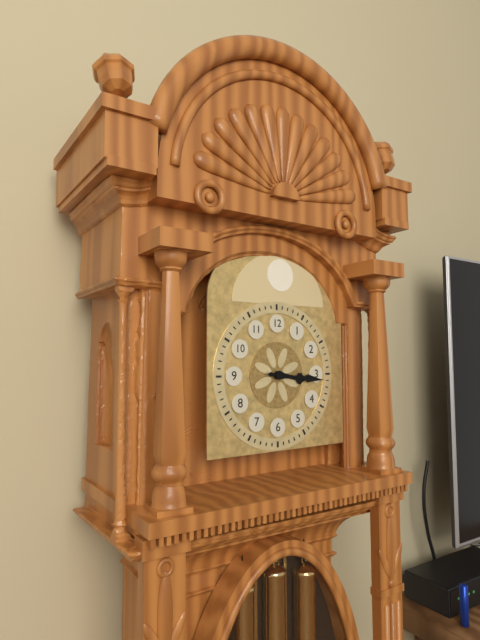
3:16
